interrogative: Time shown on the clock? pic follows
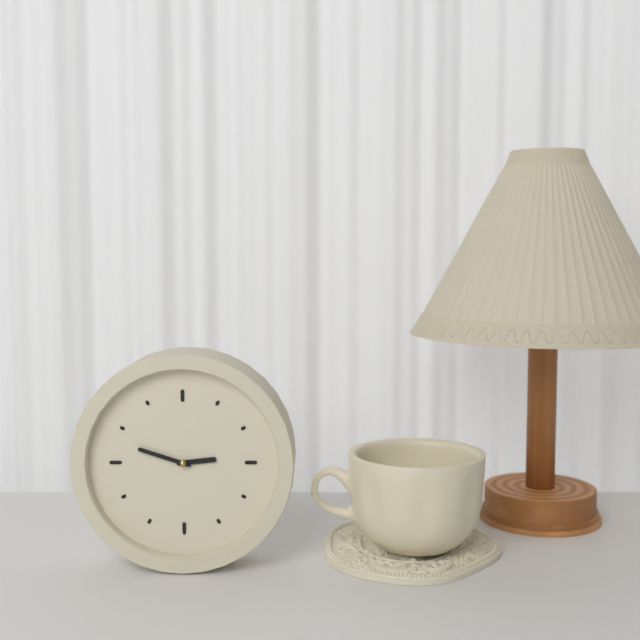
2:48
